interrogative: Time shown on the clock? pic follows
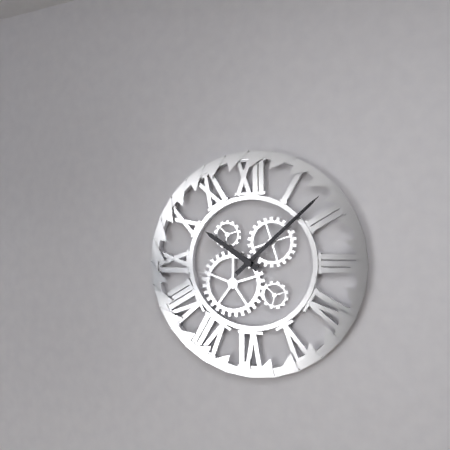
10:08
